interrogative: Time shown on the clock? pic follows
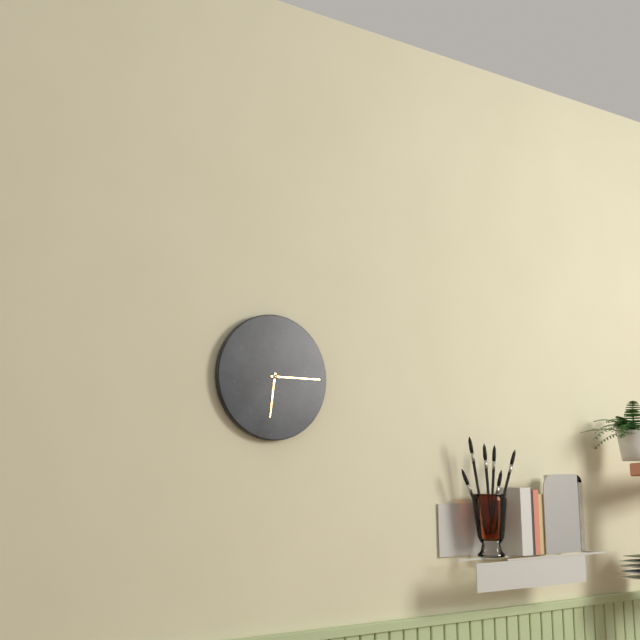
6:15
